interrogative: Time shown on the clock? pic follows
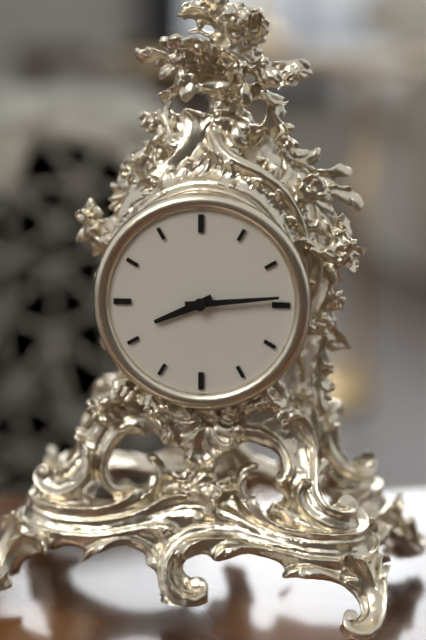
8:14
